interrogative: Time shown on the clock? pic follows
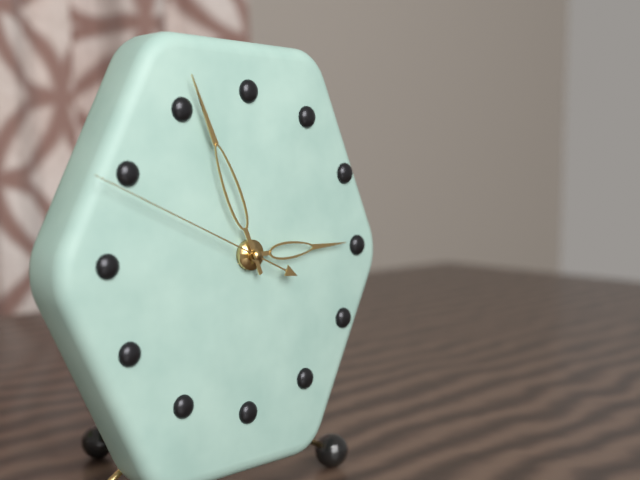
2:56:49
